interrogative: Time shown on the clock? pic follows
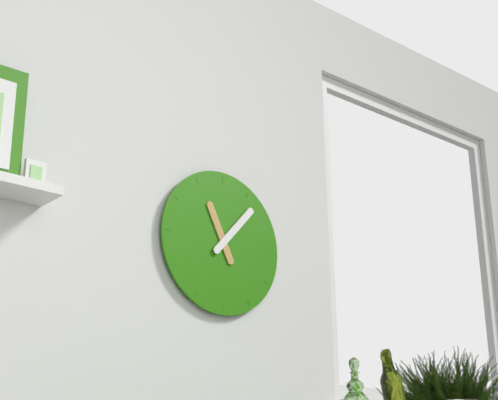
11:07
